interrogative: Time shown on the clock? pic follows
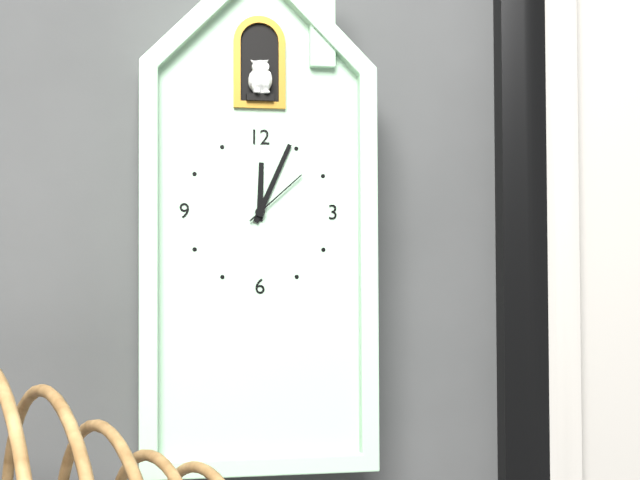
12:04:08
